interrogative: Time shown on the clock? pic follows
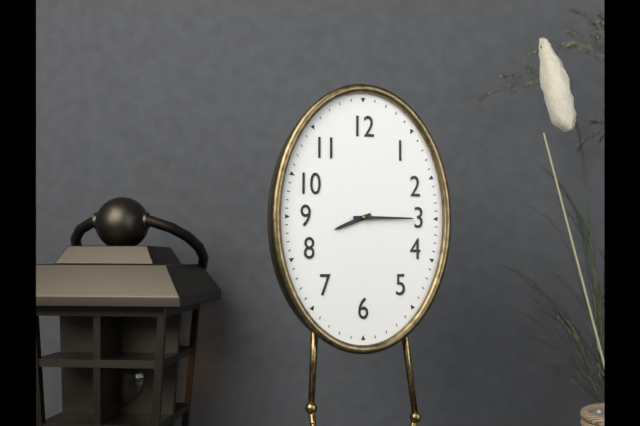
8:15
